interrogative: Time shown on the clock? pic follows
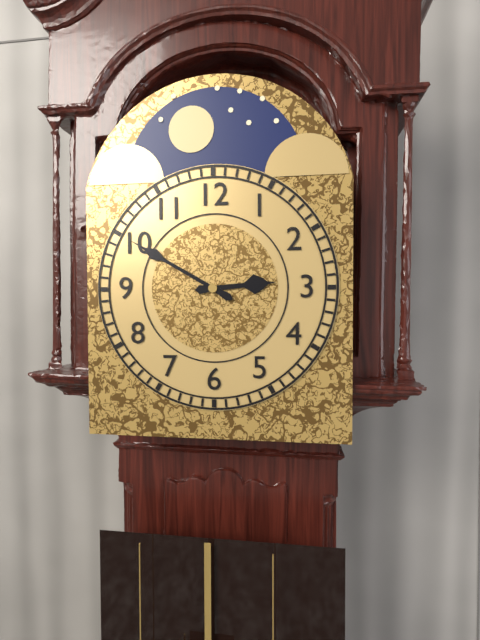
2:50
